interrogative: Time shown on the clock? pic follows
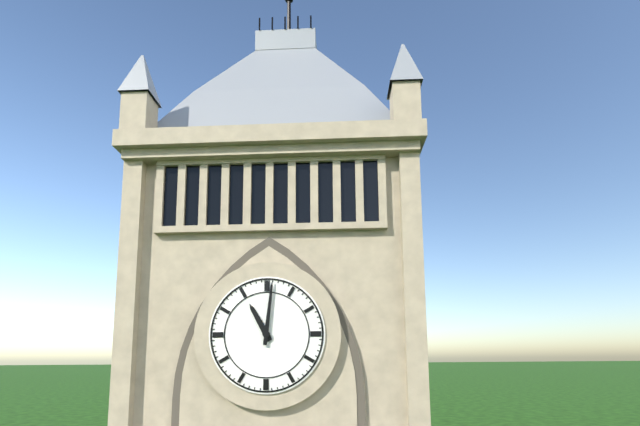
11:01
